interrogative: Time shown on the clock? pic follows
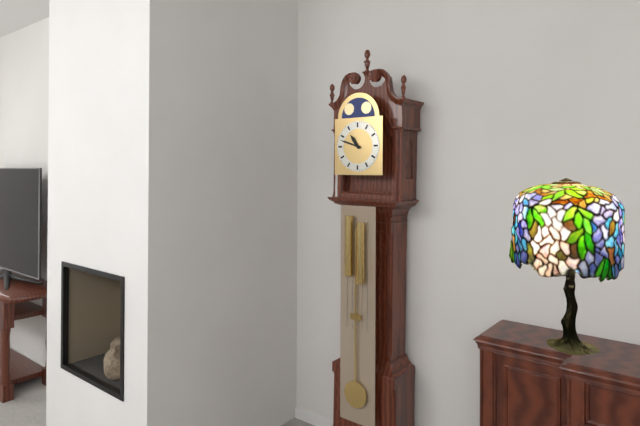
10:48
